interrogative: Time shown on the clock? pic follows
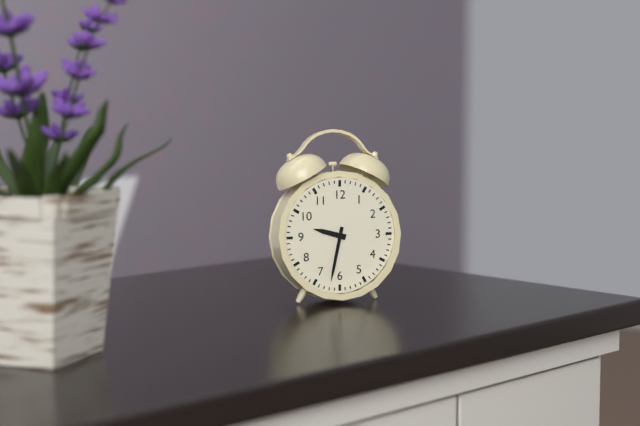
9:32
